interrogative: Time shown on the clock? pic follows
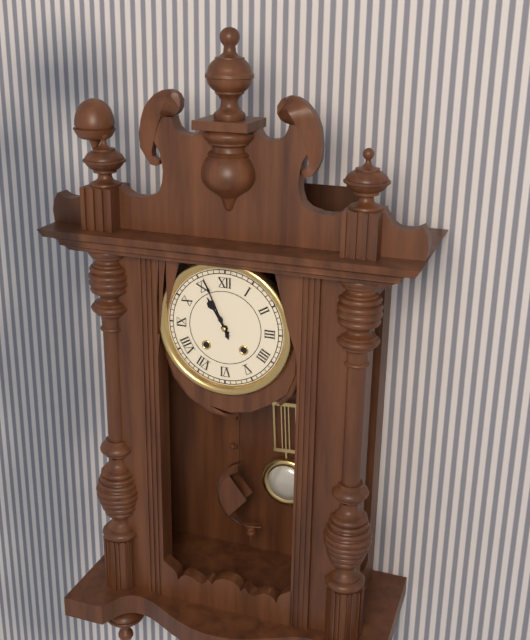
10:56
